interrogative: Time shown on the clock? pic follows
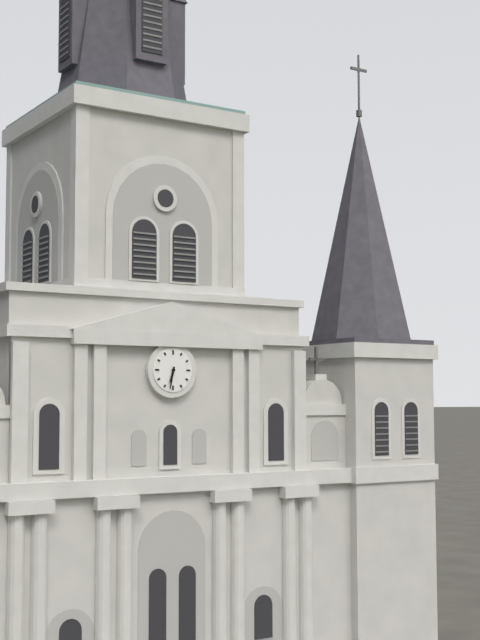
6:32
